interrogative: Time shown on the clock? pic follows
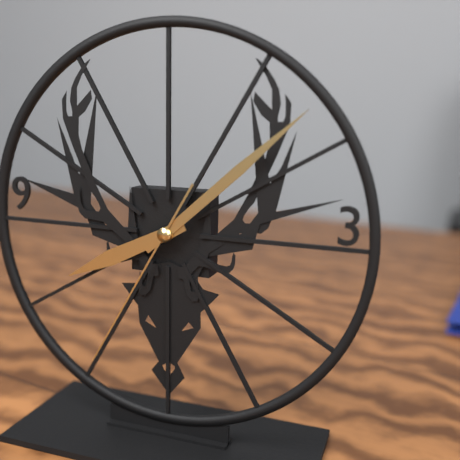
8:08:35
